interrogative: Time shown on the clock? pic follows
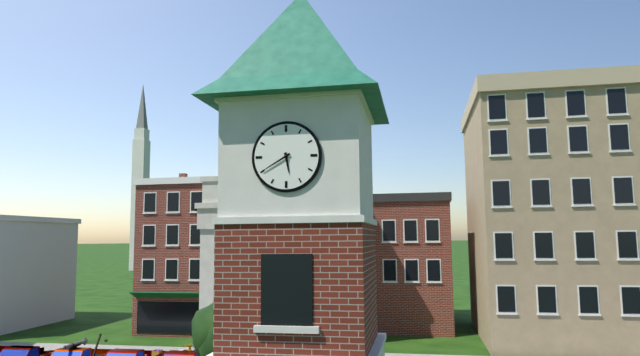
5:40
